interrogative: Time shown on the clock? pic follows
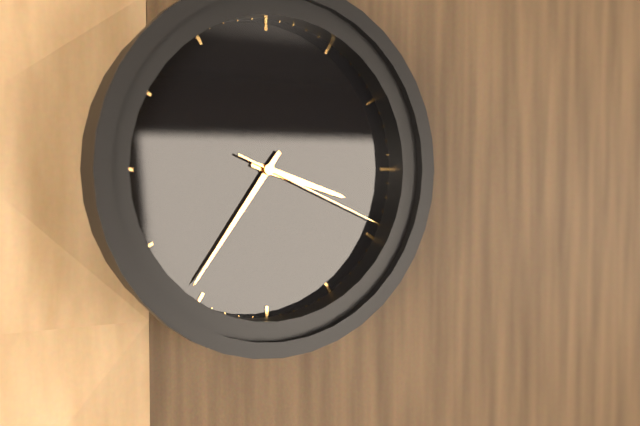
3:36:19
